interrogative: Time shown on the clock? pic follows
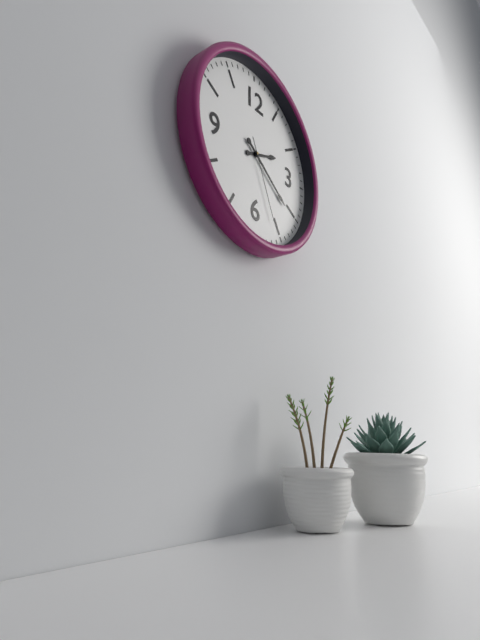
2:21:26
